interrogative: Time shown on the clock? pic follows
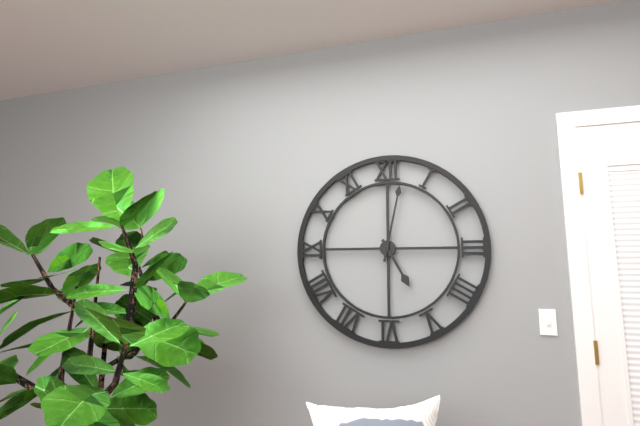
5:02
